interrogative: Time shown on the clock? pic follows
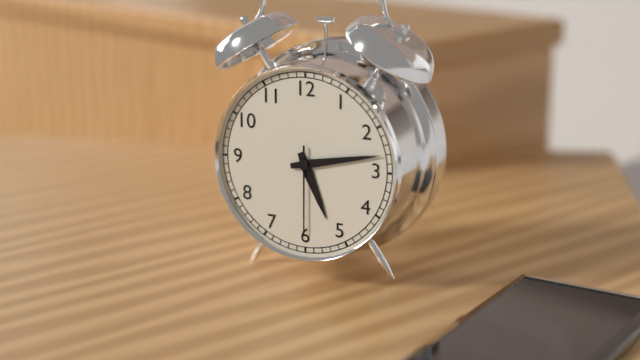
5:13:30
